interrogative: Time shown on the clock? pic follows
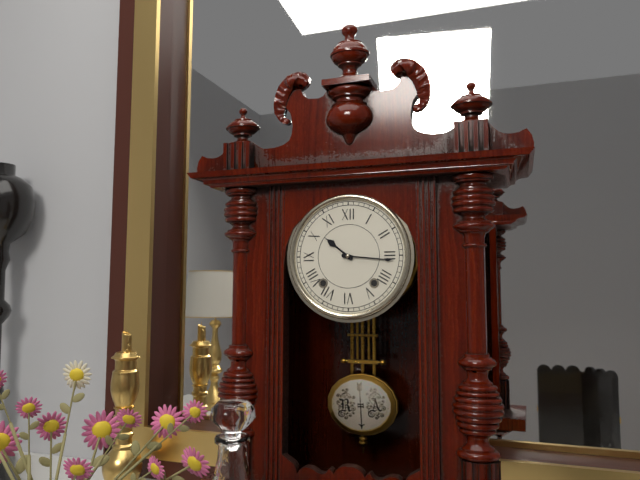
10:16
